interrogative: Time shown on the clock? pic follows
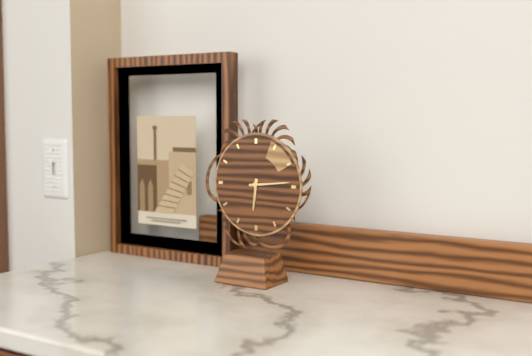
6:14
